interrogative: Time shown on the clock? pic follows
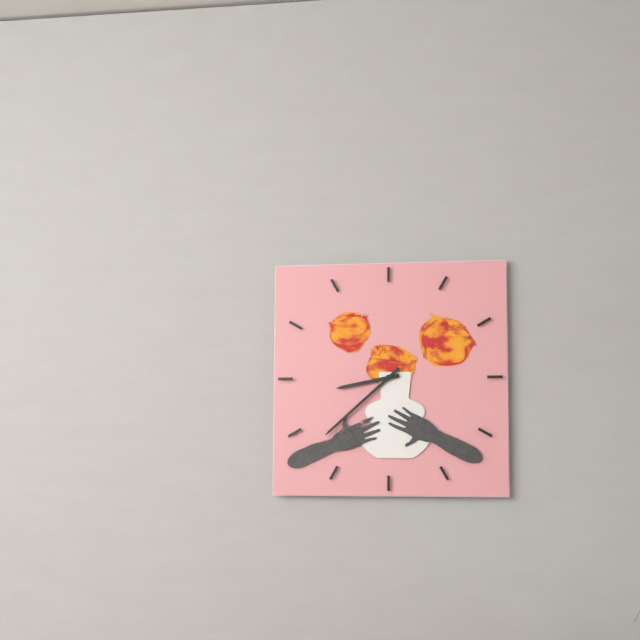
8:38
